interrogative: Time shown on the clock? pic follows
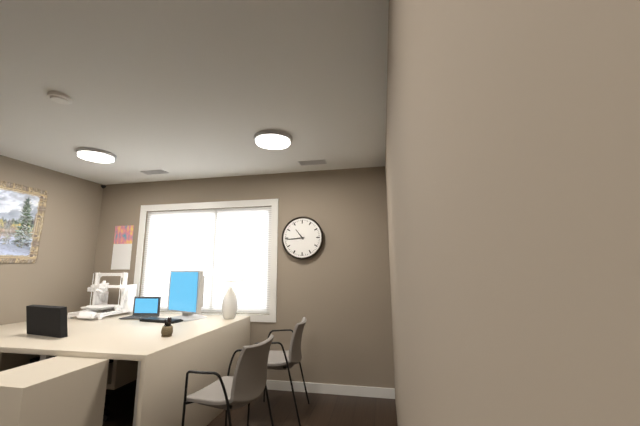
10:44
